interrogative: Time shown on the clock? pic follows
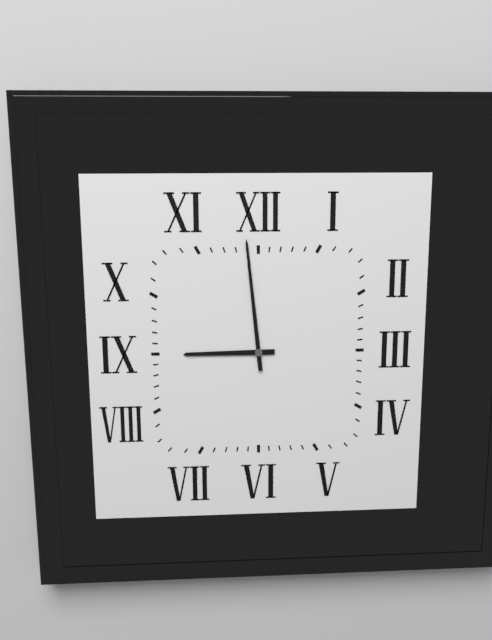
8:59
